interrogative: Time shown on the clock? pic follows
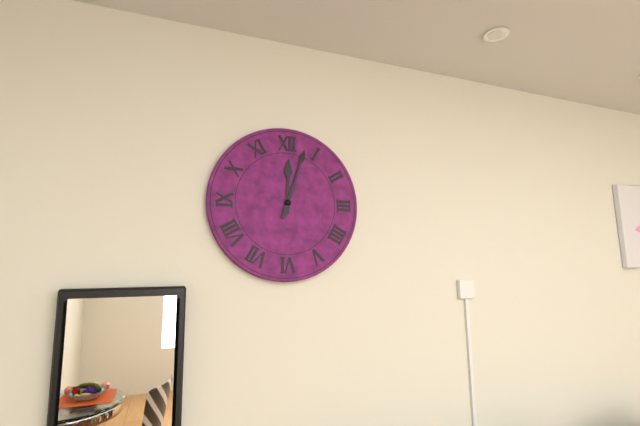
12:03
